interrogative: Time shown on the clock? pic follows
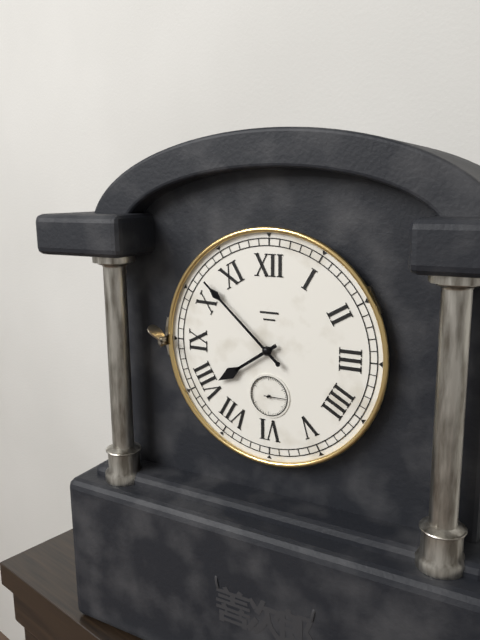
7:52
